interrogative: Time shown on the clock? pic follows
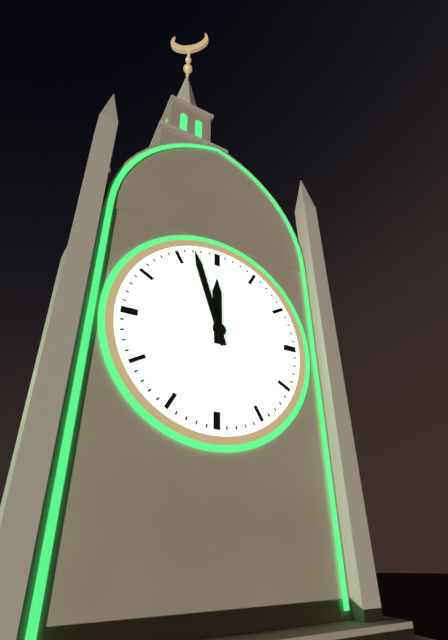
11:57
